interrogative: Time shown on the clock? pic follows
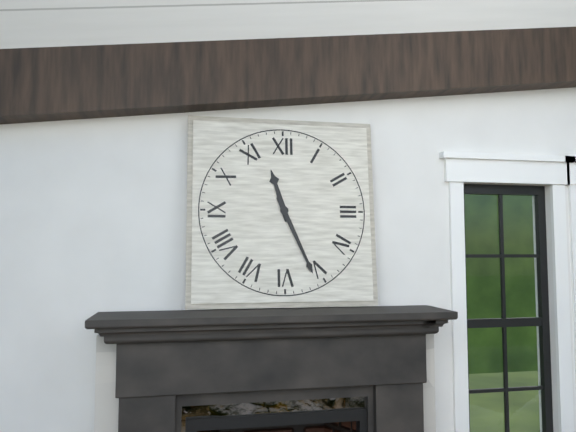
11:26
